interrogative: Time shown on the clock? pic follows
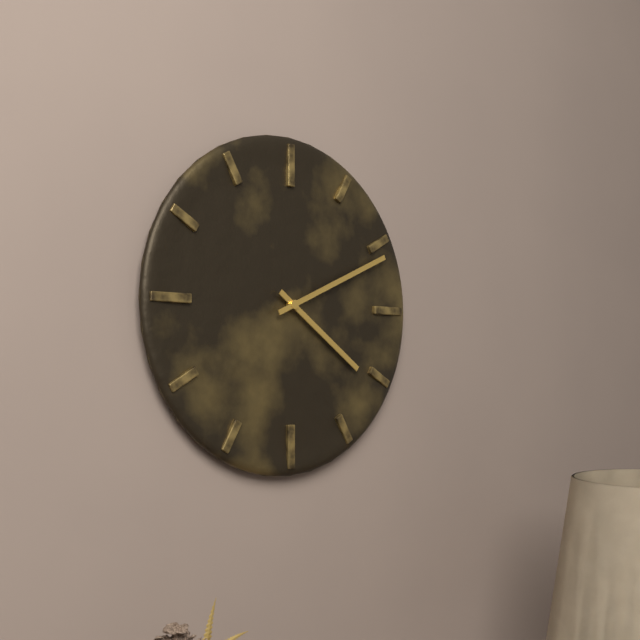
4:11
